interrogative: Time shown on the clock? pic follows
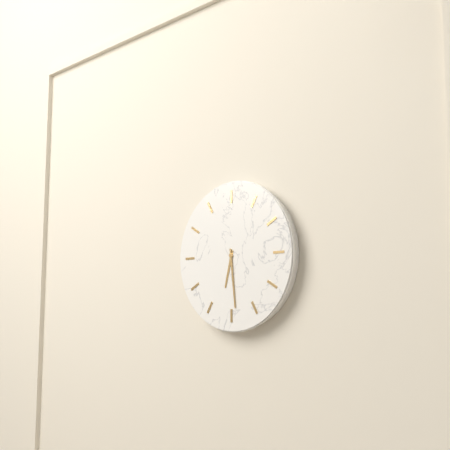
6:29
